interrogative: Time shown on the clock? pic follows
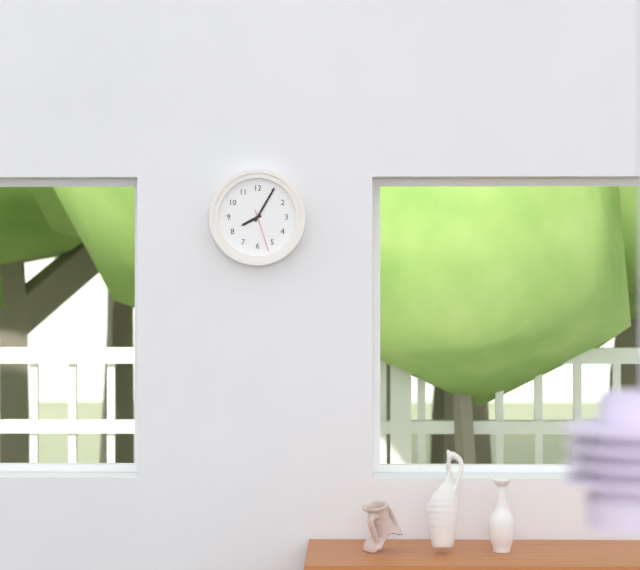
8:05
